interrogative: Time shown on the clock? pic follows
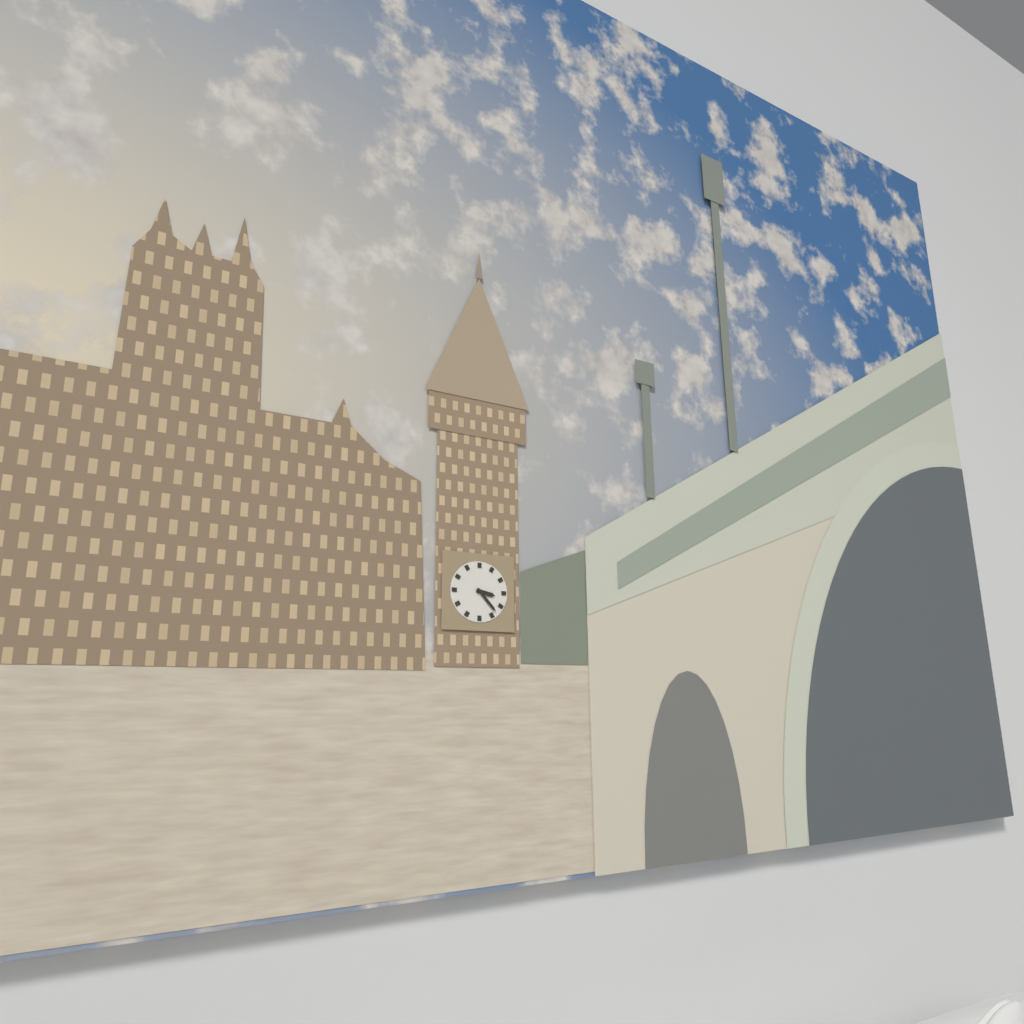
3:23
